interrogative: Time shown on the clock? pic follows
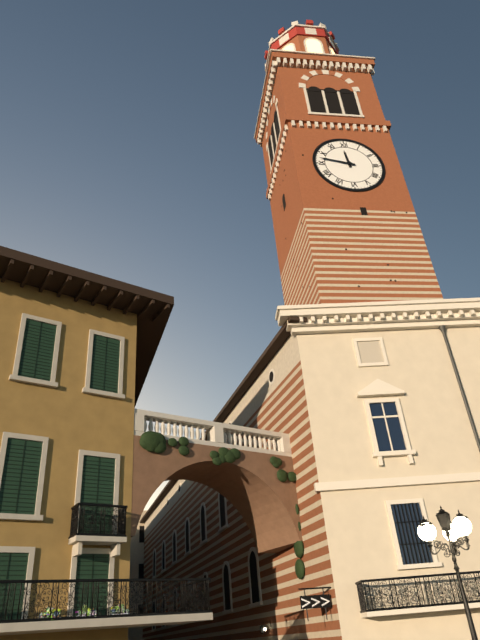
11:47
